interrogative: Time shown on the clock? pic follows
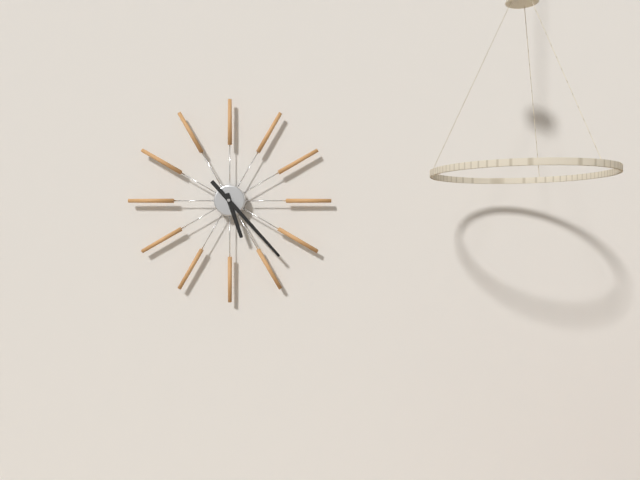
5:23
